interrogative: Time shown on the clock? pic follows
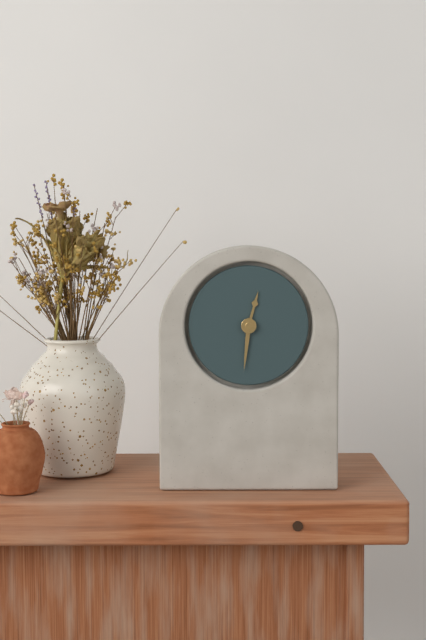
12:31
